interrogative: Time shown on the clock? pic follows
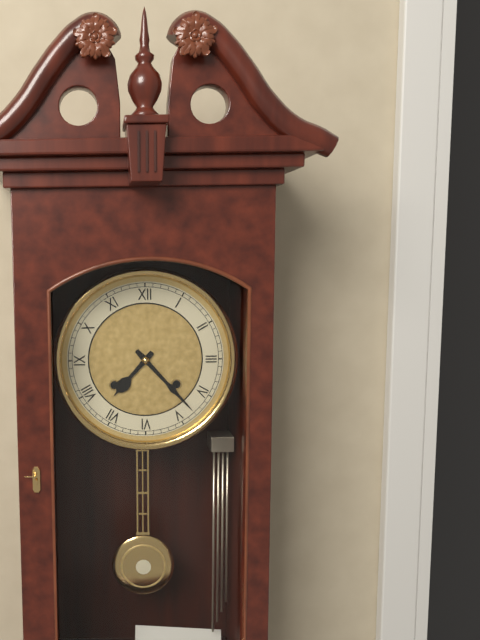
7:23
